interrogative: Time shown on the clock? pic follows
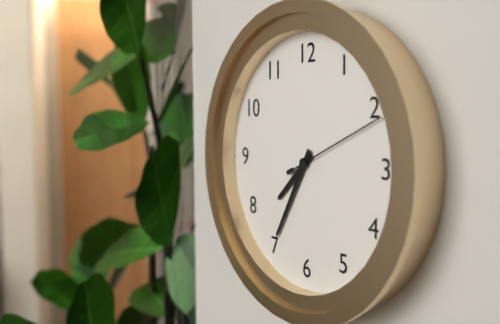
7:35:11
